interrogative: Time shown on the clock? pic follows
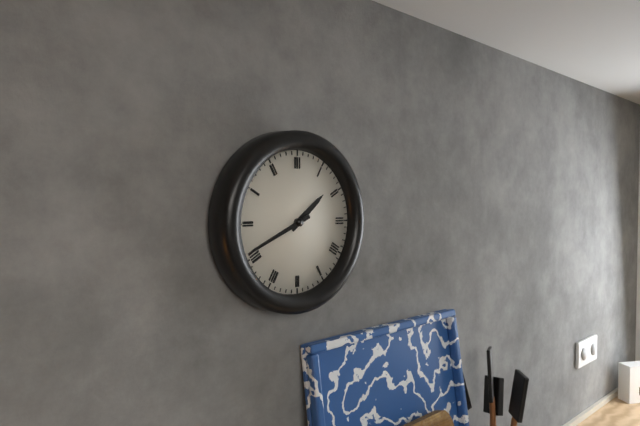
1:41
